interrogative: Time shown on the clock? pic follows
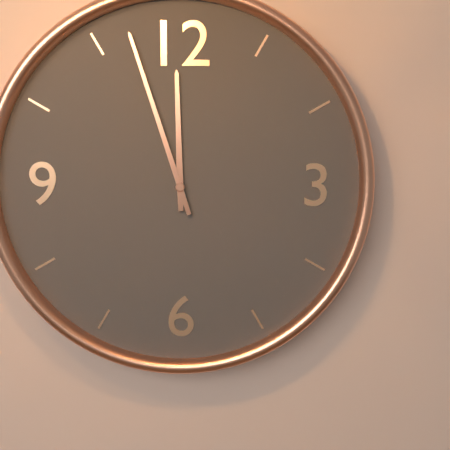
11:57
